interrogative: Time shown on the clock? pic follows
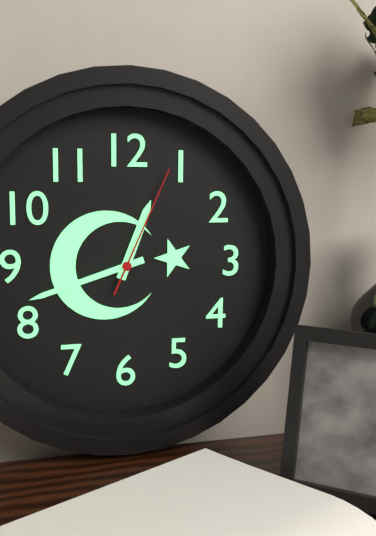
12:42:04
